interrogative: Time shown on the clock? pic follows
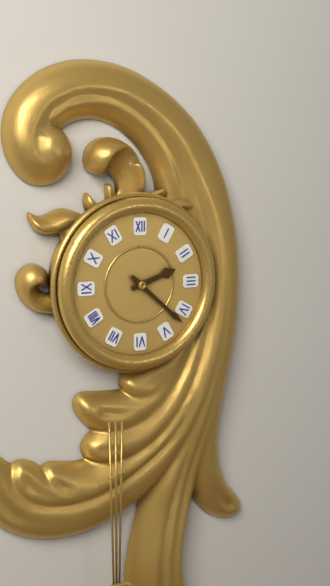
2:22
